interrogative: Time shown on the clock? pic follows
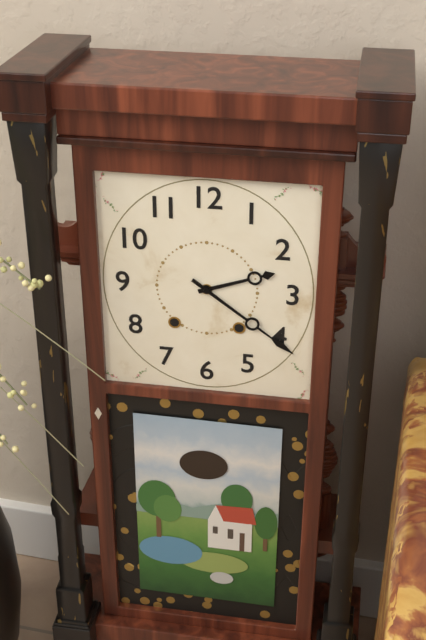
2:21
